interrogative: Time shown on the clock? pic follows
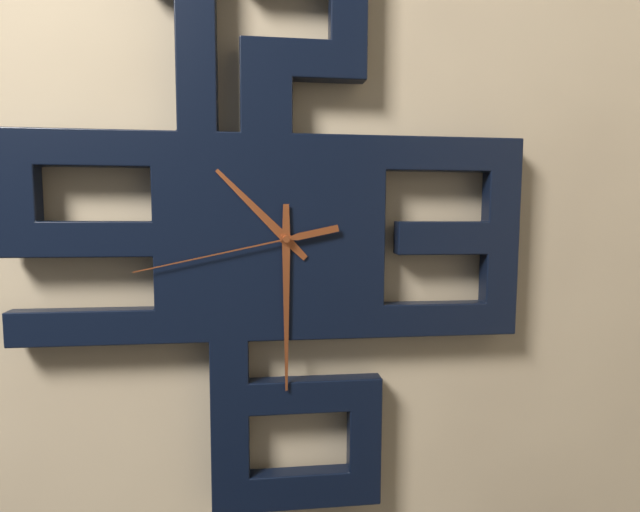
10:30:43
